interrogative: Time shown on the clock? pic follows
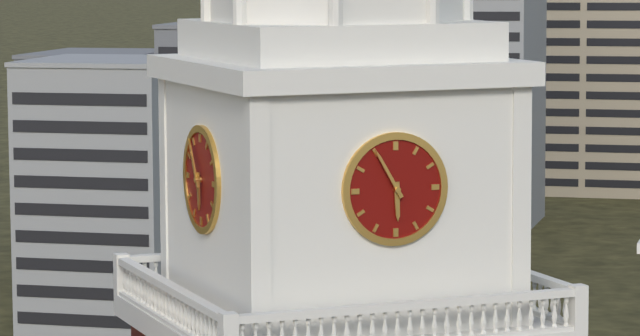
5:55
